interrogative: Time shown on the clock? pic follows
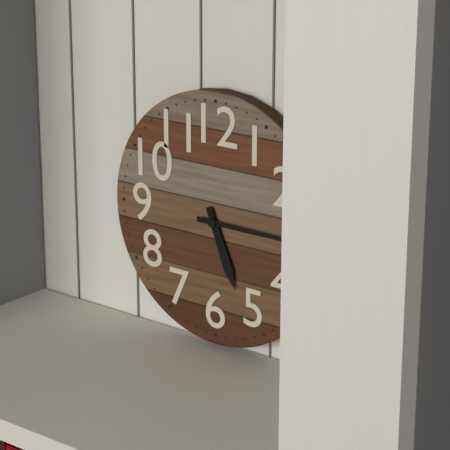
5:15
